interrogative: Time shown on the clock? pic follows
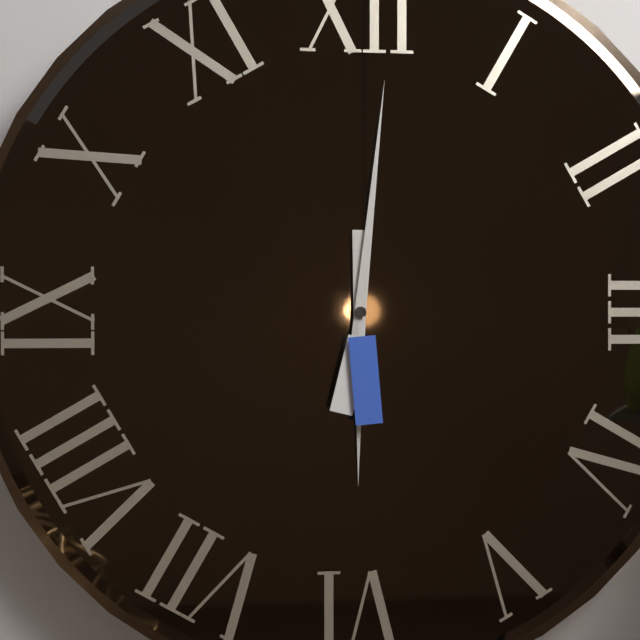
6:01
